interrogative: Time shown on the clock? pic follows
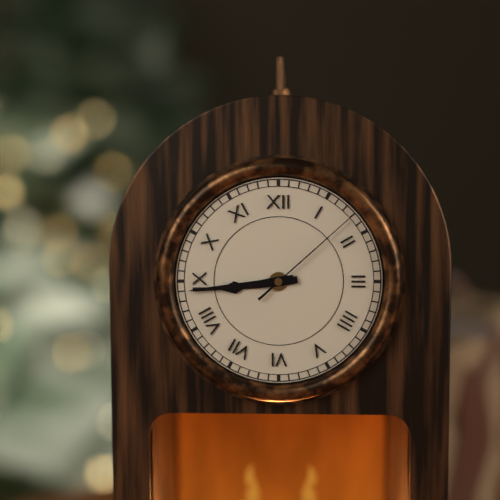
8:44:08
